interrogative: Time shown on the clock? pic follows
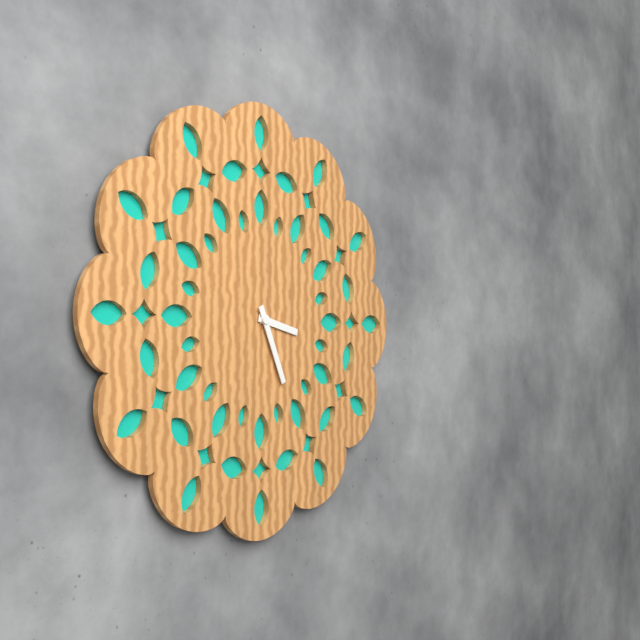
3:26
